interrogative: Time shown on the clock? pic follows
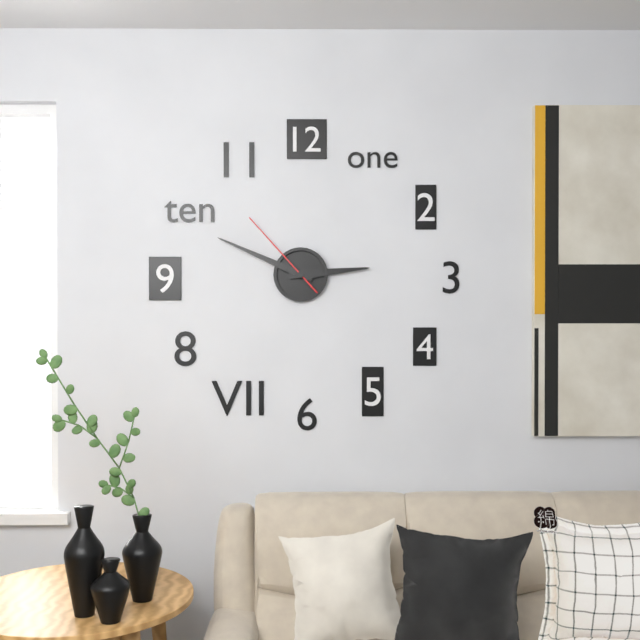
2:49:53
